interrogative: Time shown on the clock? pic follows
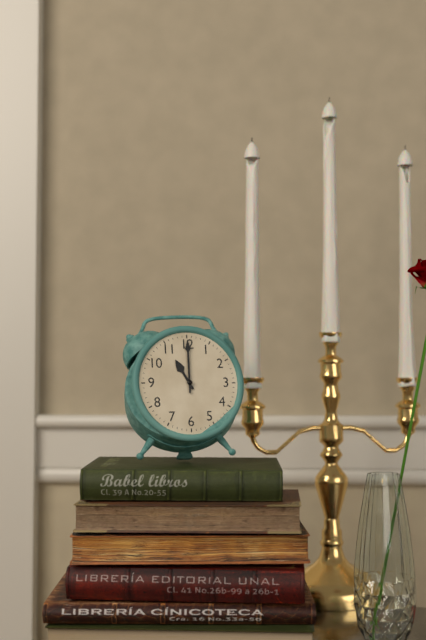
11:00
